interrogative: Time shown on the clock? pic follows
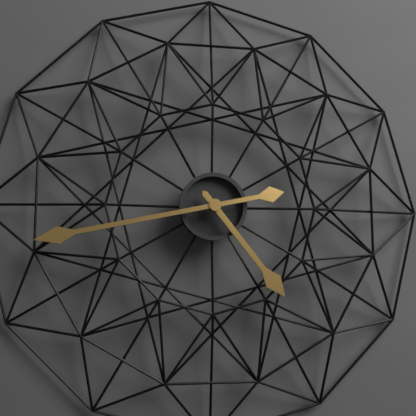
4:43
